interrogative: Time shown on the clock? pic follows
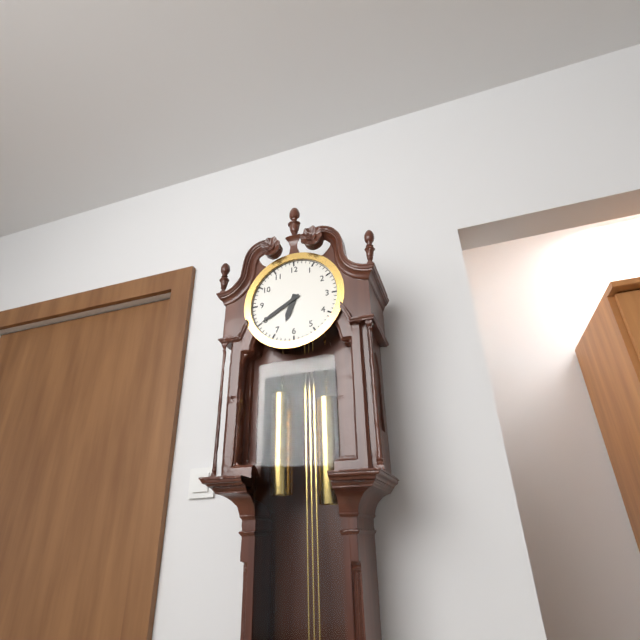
6:40
